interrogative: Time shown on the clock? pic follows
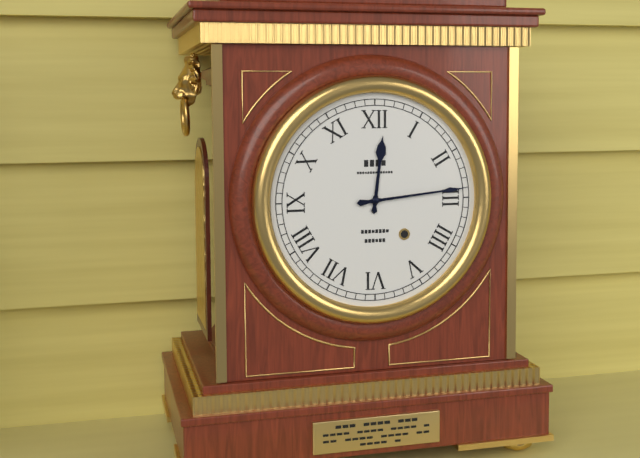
12:14
